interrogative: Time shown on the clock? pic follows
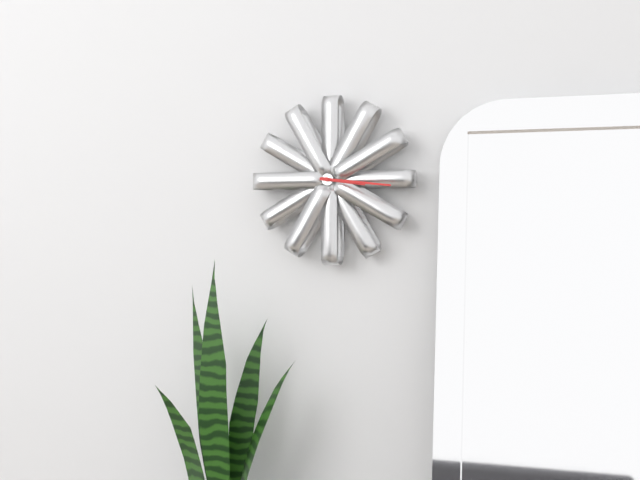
3:16
